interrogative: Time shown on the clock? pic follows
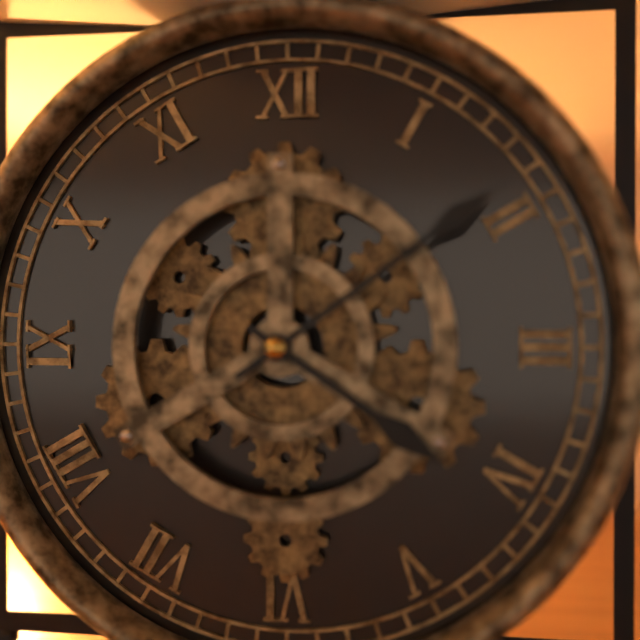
4:09
